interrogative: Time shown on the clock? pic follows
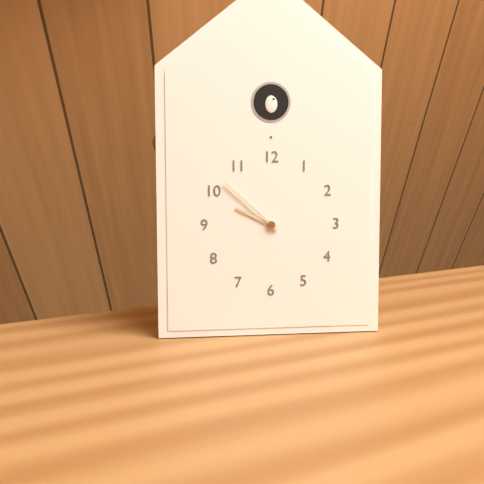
9:52
